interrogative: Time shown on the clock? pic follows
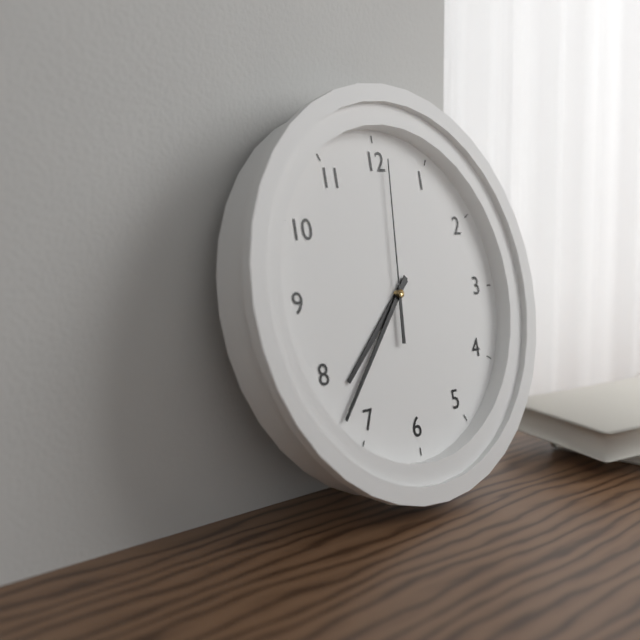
7:37:01
